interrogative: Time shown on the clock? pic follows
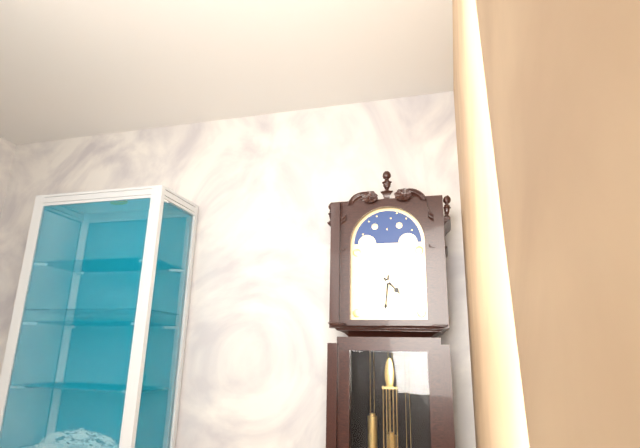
4:31
